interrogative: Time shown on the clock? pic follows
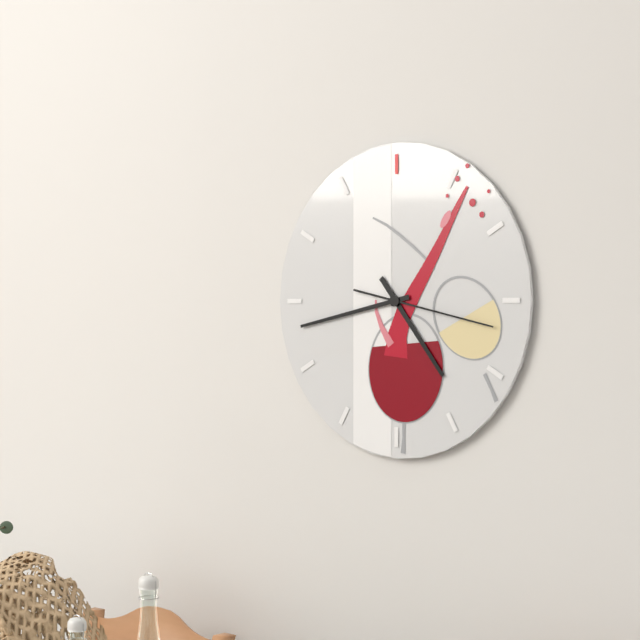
4:43:17
